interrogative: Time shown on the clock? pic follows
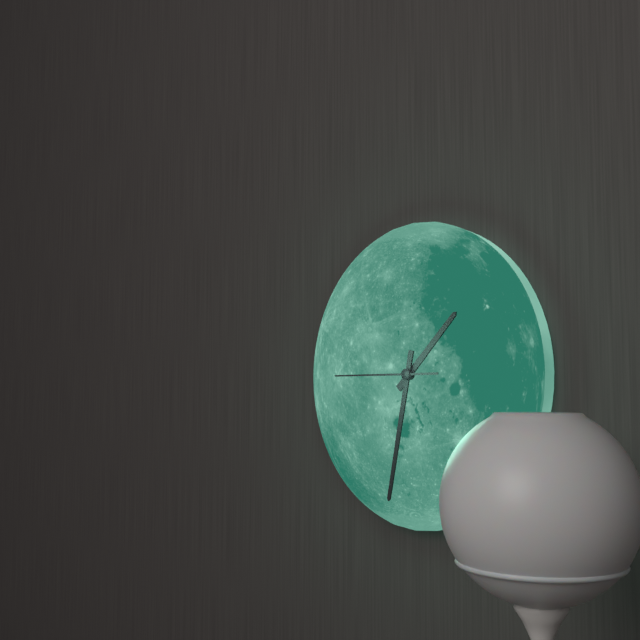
1:32:45
